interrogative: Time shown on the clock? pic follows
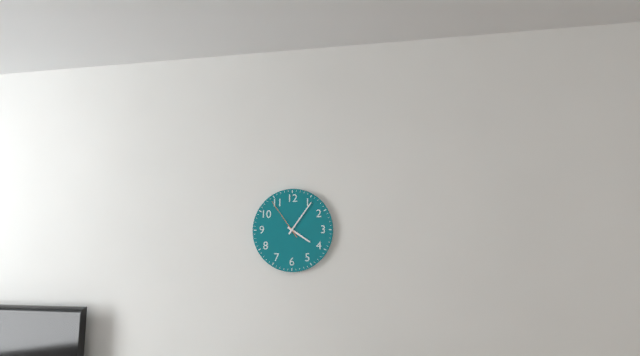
4:06
